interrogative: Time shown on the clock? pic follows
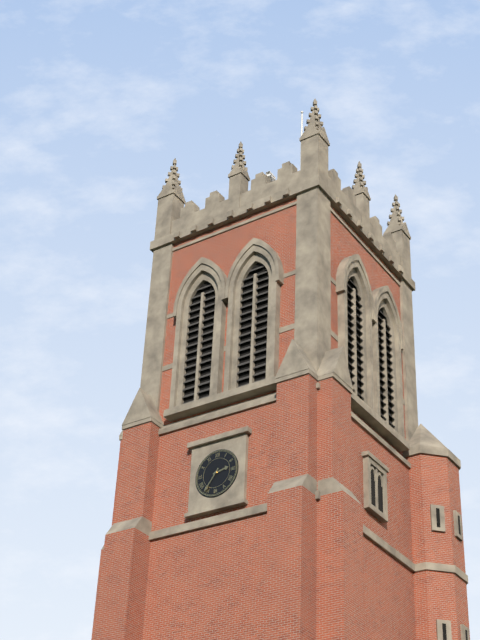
2:36
